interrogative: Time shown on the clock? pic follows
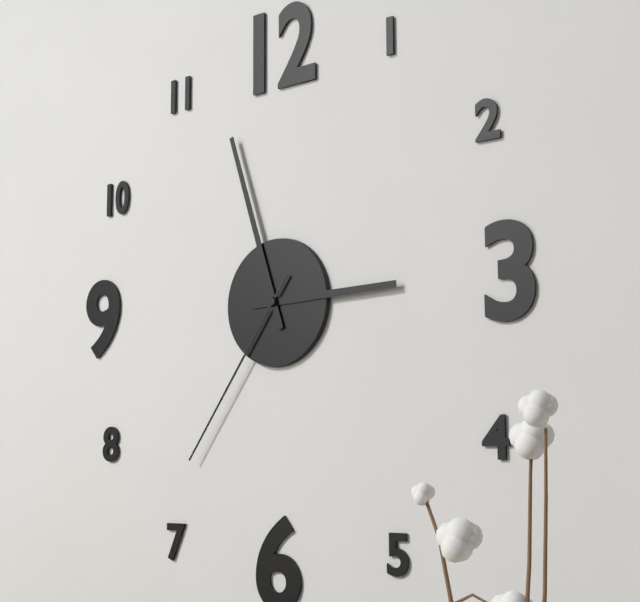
2:57:36
